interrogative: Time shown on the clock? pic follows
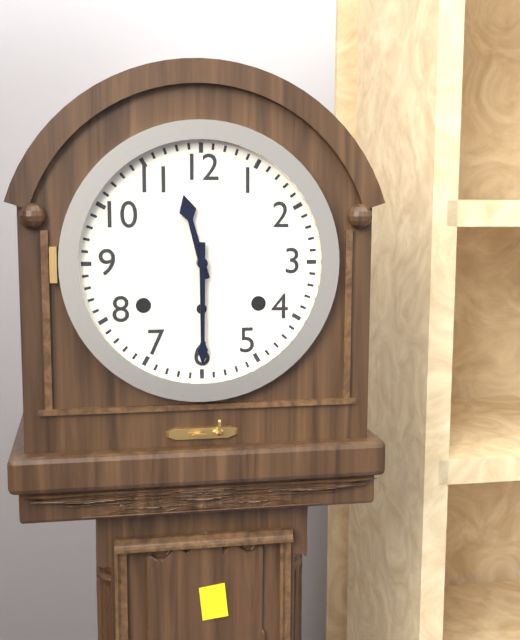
11:30
